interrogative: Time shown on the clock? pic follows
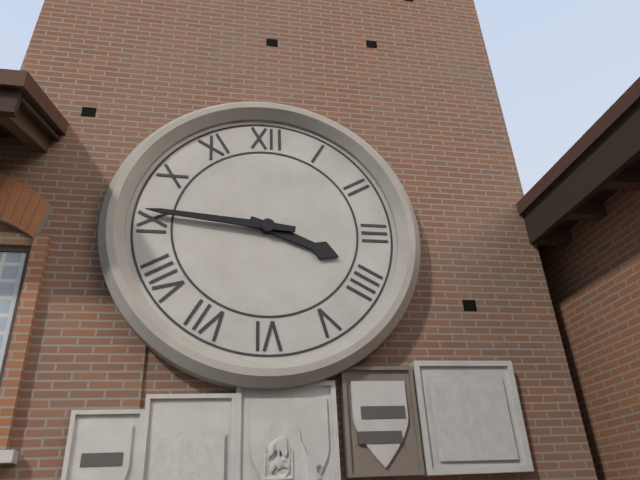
3:46
